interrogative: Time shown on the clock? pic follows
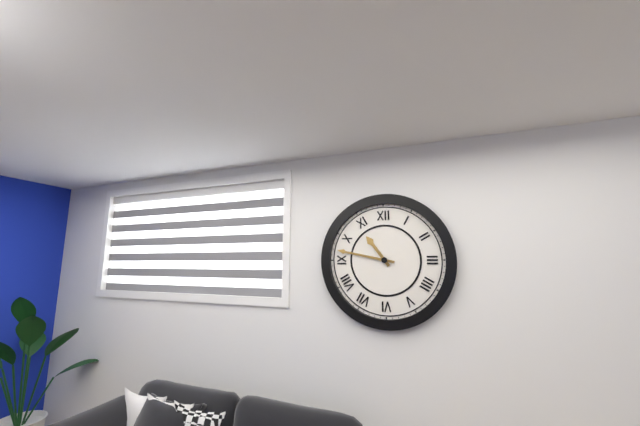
10:47
